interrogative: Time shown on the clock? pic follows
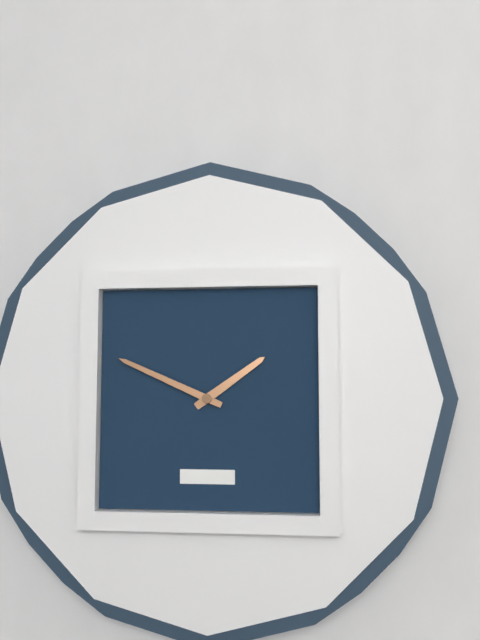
1:49
